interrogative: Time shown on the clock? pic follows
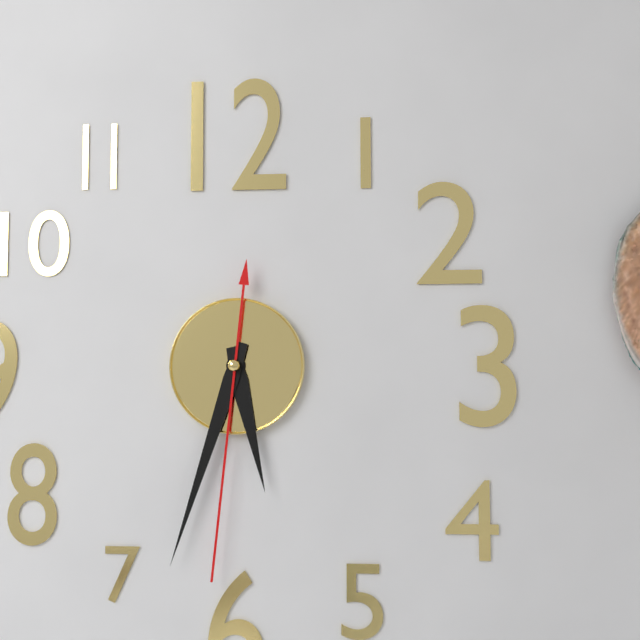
5:33:31
